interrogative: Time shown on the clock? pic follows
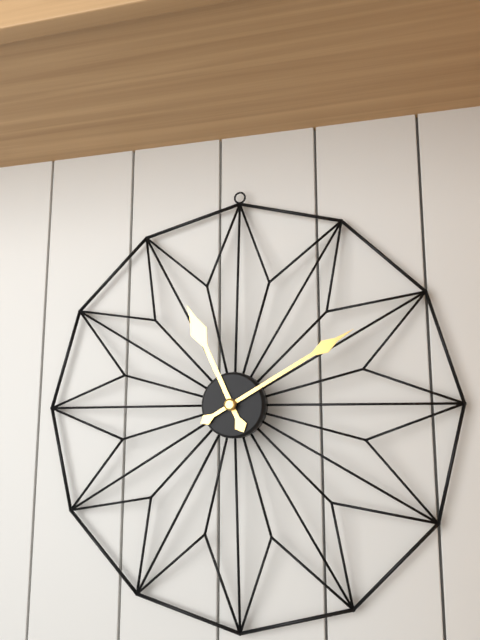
11:10
